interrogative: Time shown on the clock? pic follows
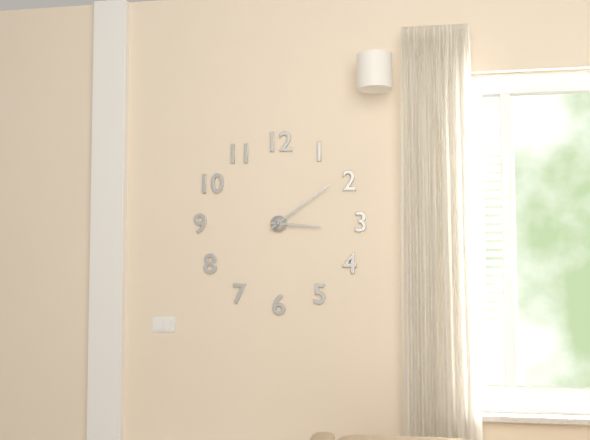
3:09
